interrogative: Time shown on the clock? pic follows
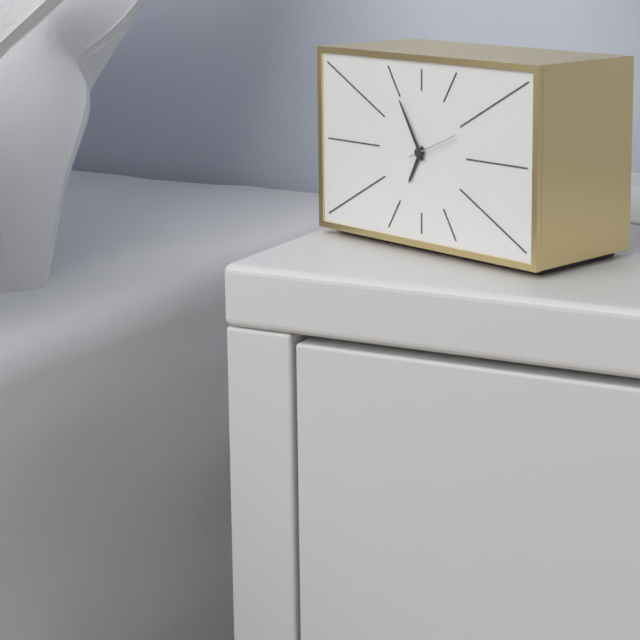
6:55:11
